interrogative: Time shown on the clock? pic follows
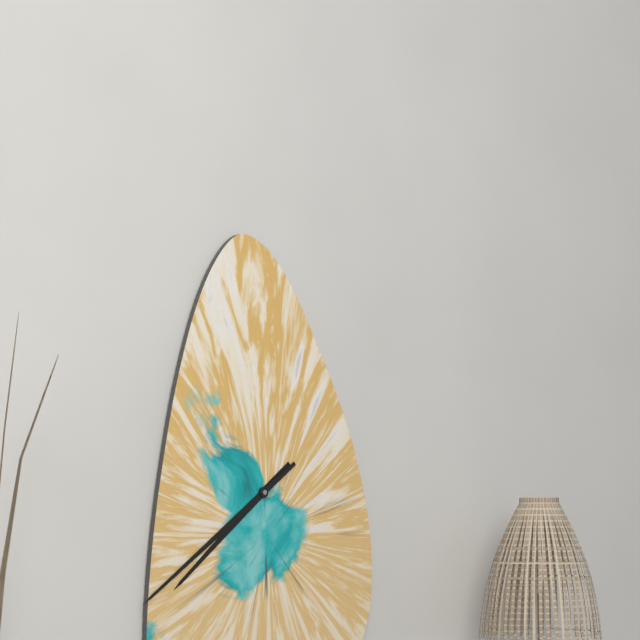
7:39
